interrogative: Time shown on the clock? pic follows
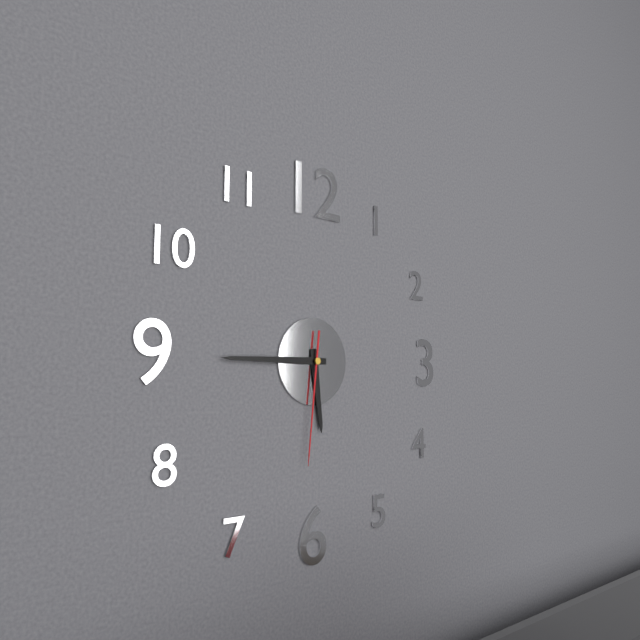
5:45:31
